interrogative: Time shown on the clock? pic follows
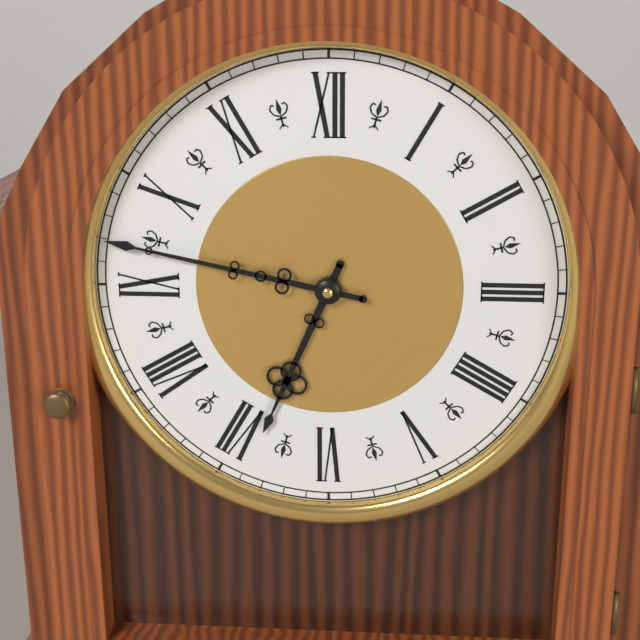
6:47
